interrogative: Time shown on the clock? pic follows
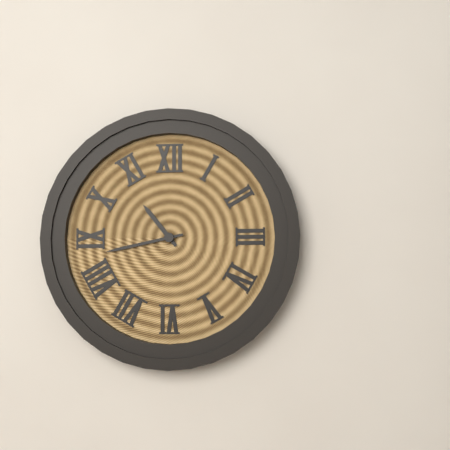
10:43
